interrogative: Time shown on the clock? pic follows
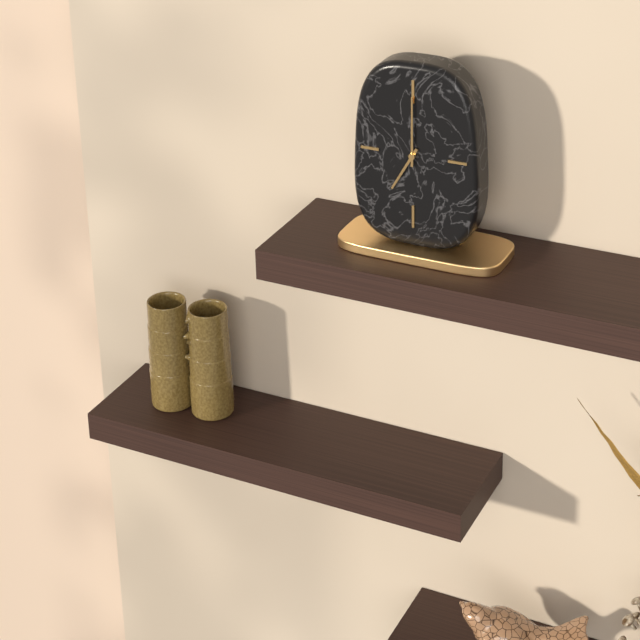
7:00
